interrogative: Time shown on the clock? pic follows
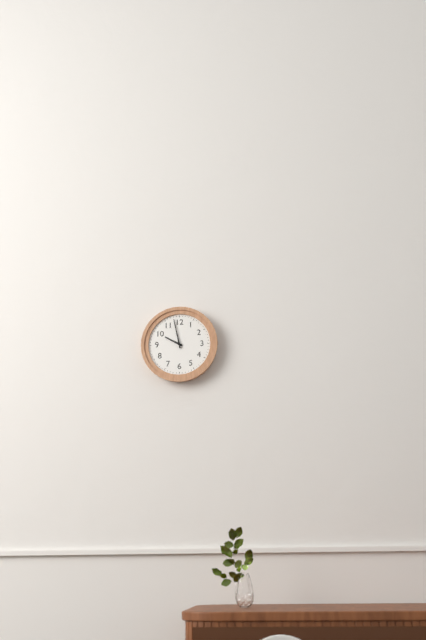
9:58
